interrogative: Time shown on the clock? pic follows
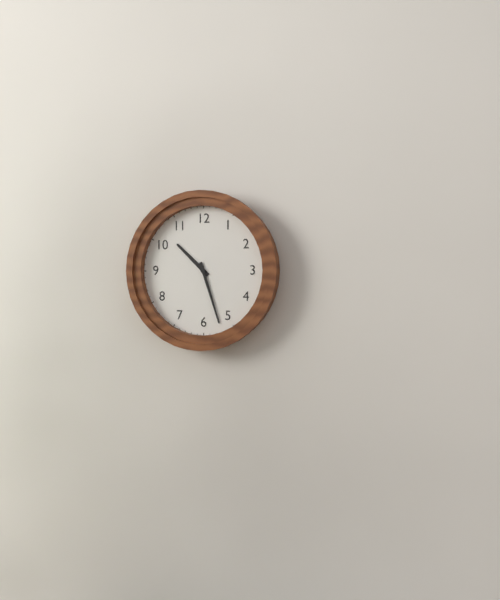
10:27
